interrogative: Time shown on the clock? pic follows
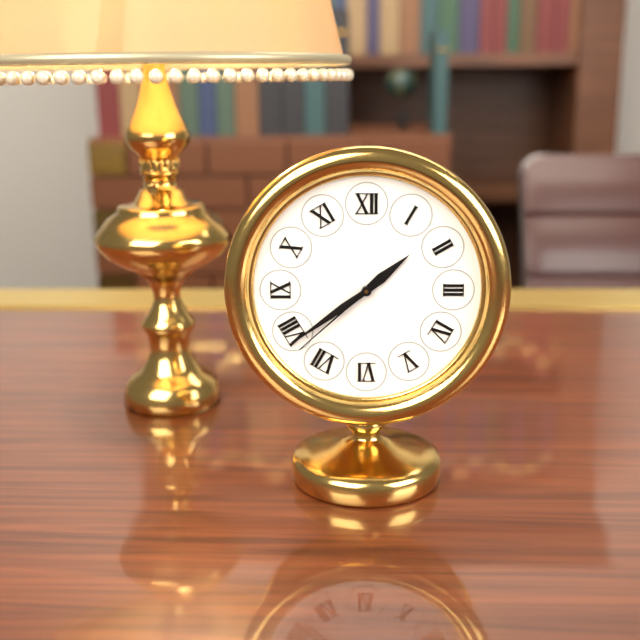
1:39:38
